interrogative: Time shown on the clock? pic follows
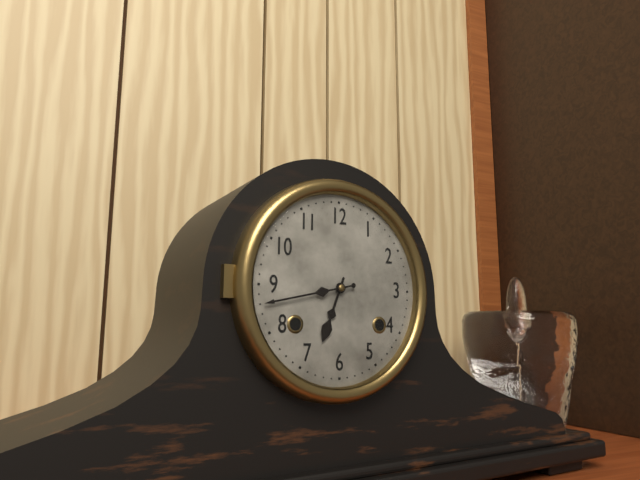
6:43
